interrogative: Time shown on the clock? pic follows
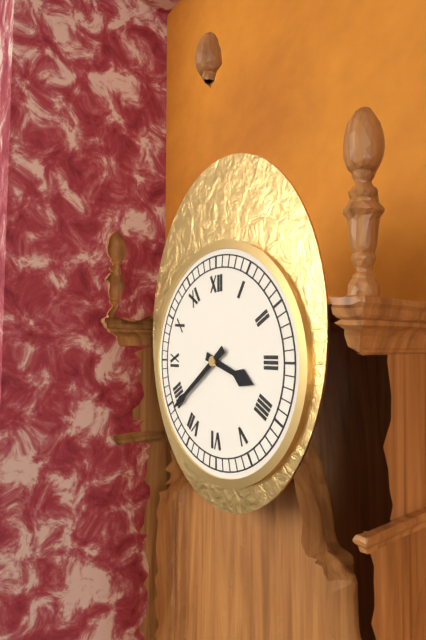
3:39
